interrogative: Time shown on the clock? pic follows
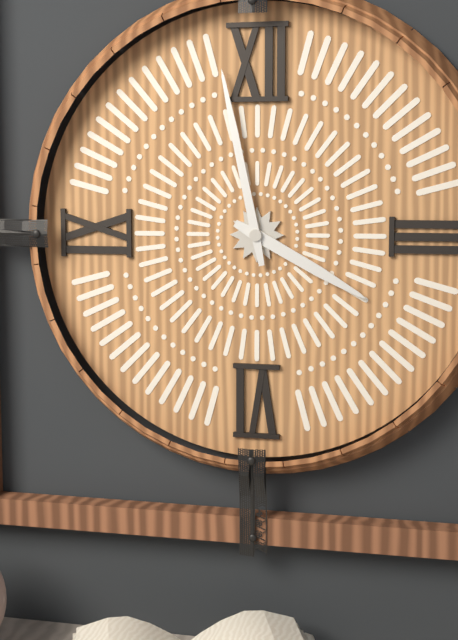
3:58
